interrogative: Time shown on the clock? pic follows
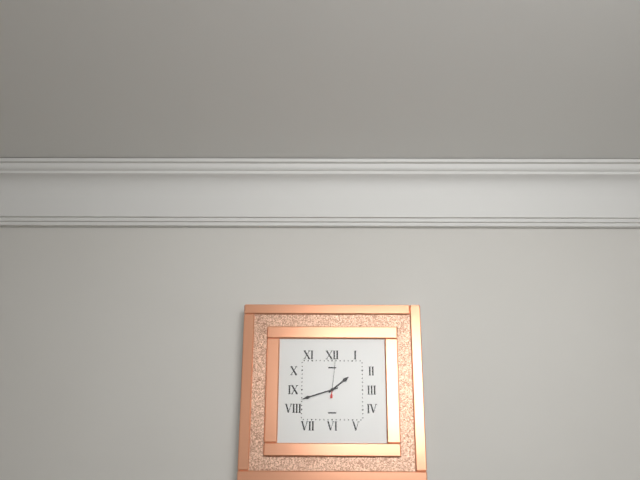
1:42
